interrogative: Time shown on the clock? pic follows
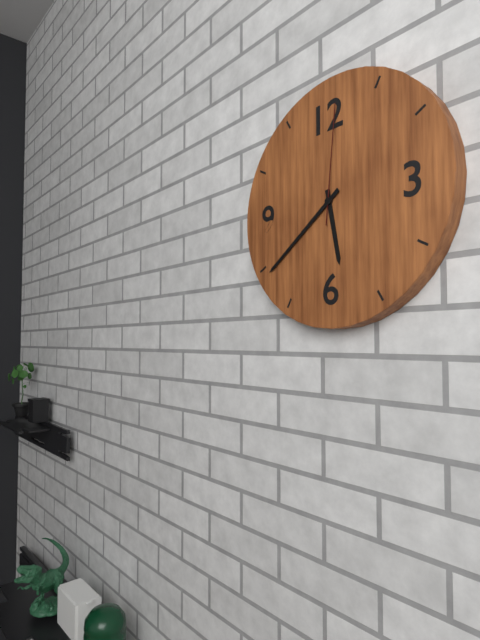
5:39:01
